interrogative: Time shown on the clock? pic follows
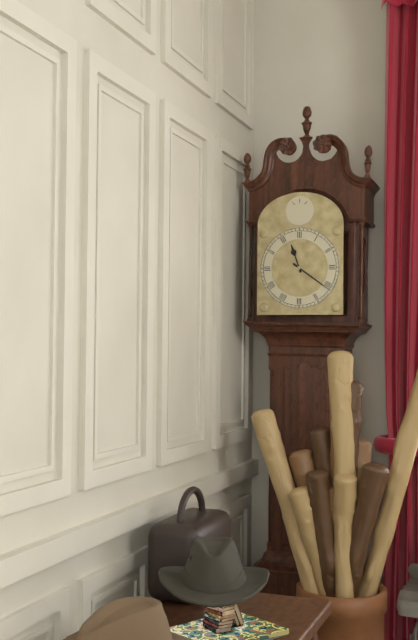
11:21
